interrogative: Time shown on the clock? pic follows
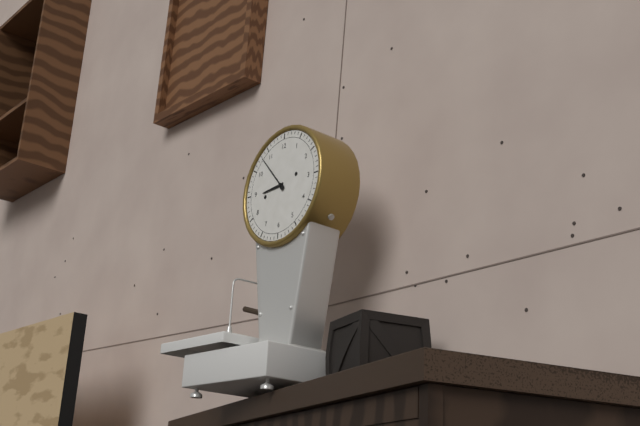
8:53
